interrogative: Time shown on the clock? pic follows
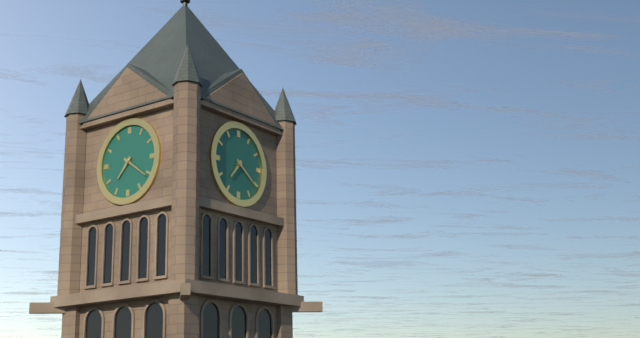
7:21
